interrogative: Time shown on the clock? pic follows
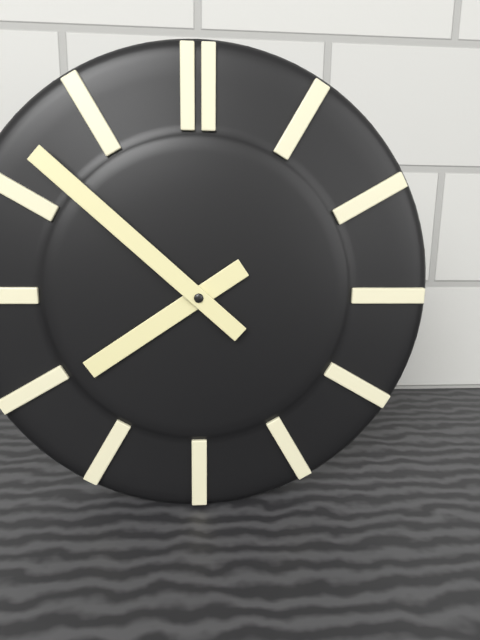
7:52
